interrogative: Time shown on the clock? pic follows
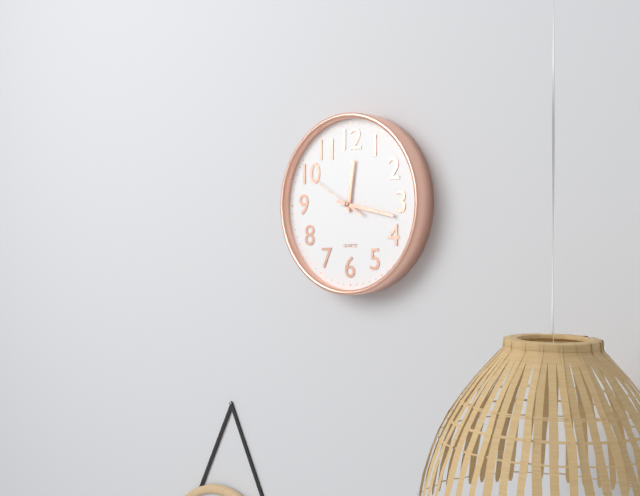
12:17:50
